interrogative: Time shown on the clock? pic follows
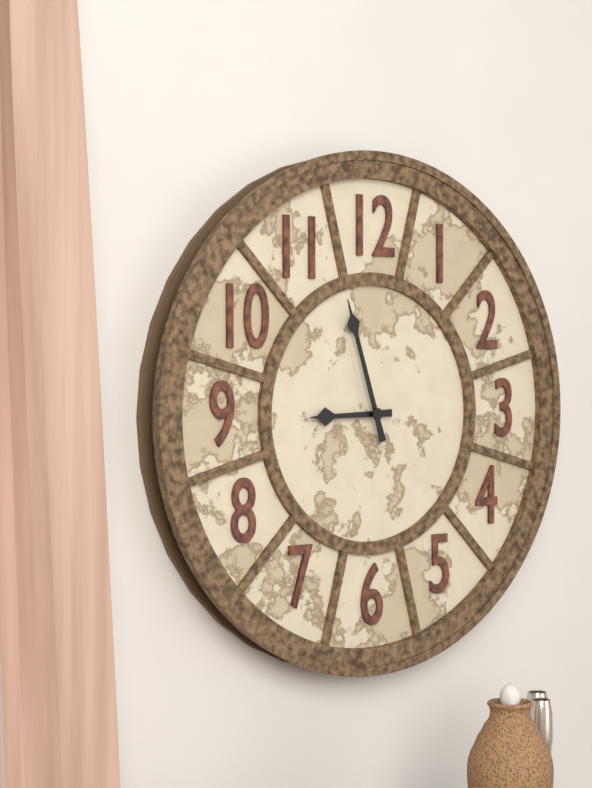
8:57
